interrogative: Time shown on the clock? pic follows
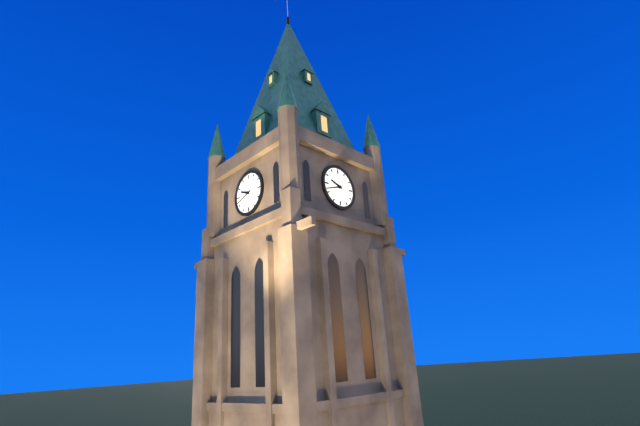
9:42
